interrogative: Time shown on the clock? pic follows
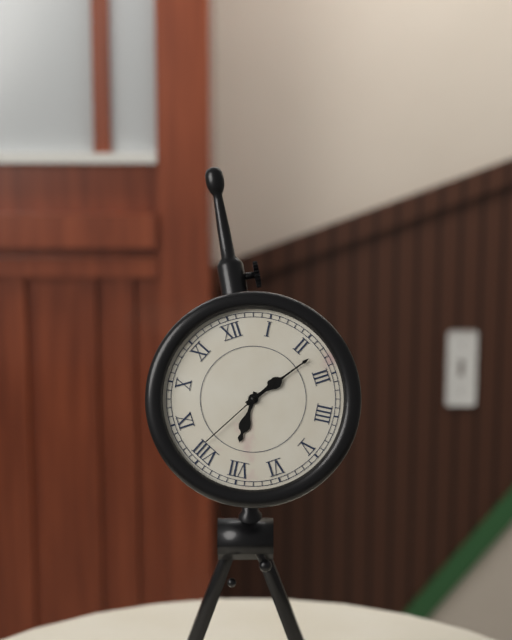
7:12:41
